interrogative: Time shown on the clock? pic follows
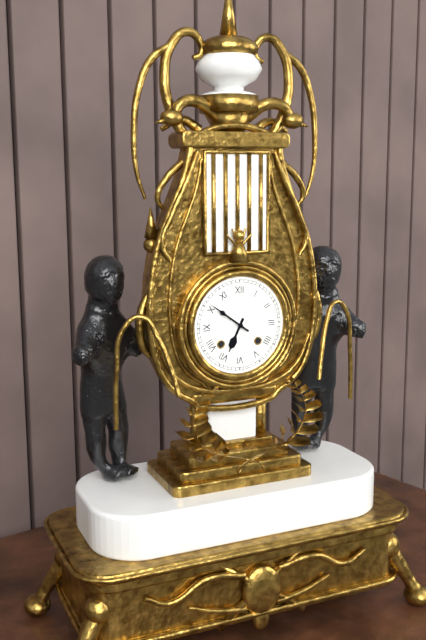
6:51
